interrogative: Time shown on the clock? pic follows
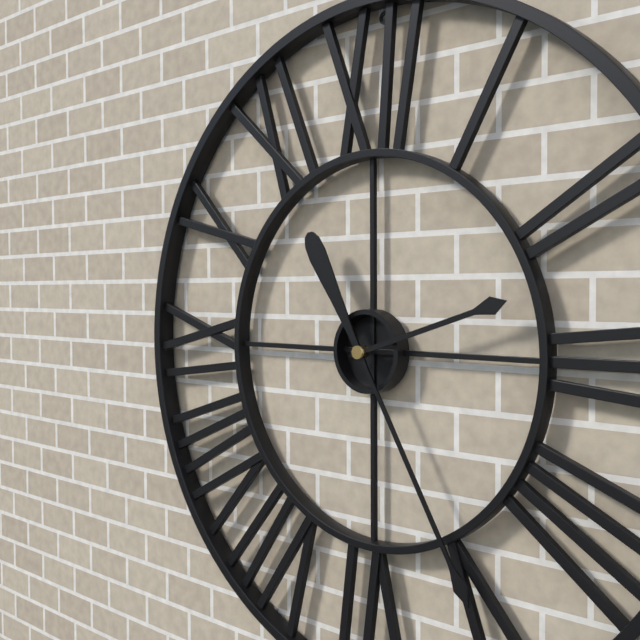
2:25
